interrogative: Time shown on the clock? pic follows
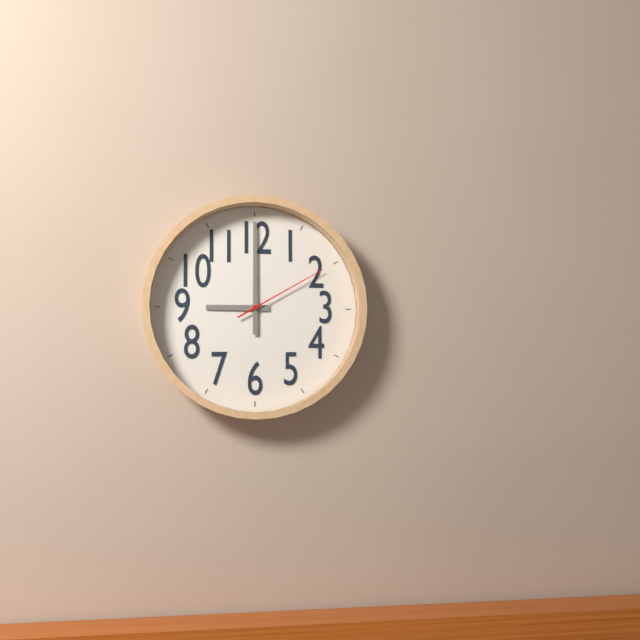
9:00:10
